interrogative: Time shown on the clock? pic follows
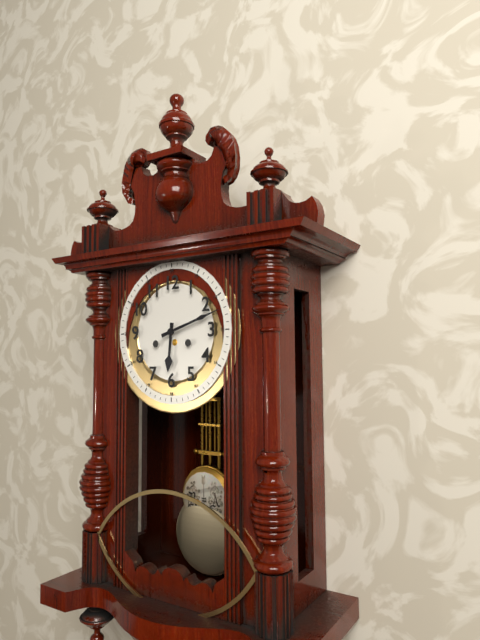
6:12
